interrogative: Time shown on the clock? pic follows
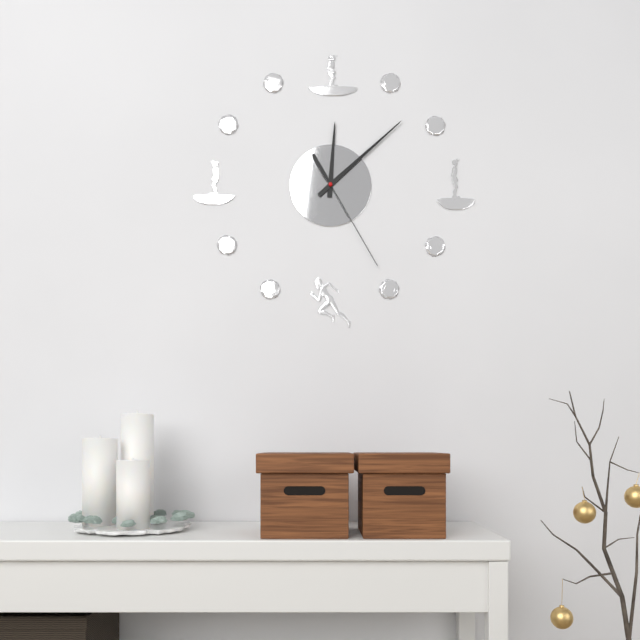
12:08:25
